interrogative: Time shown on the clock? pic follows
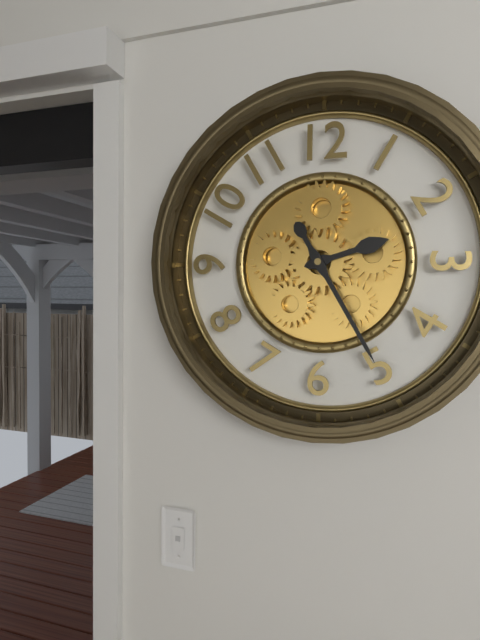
2:25
